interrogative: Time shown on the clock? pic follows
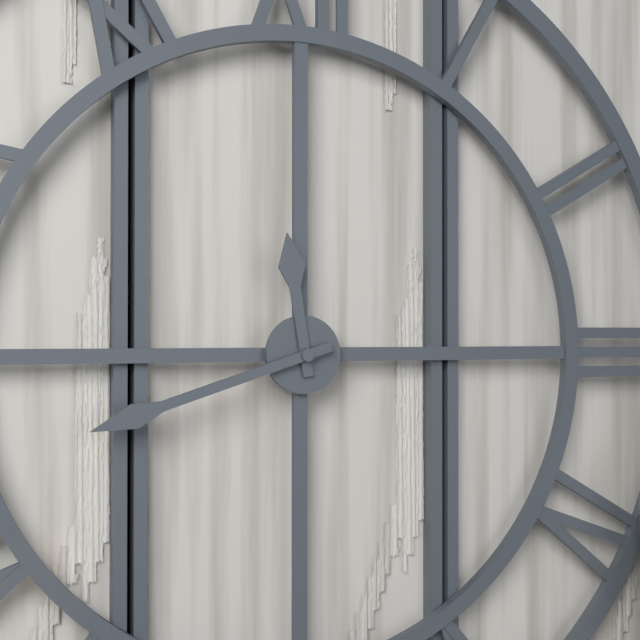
11:42
